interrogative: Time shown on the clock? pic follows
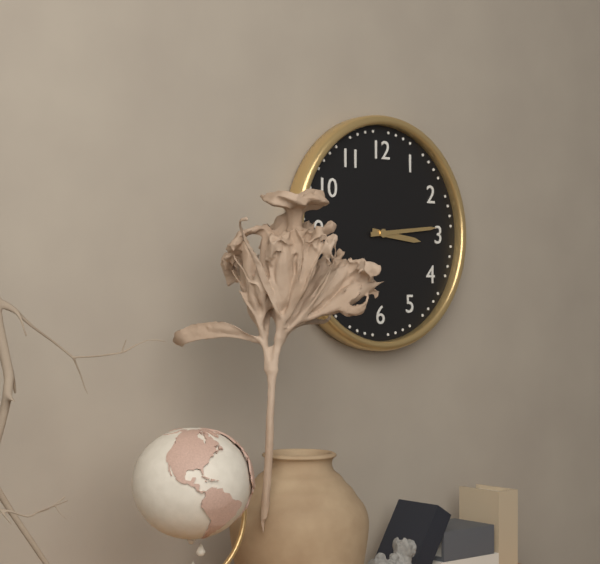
3:14
